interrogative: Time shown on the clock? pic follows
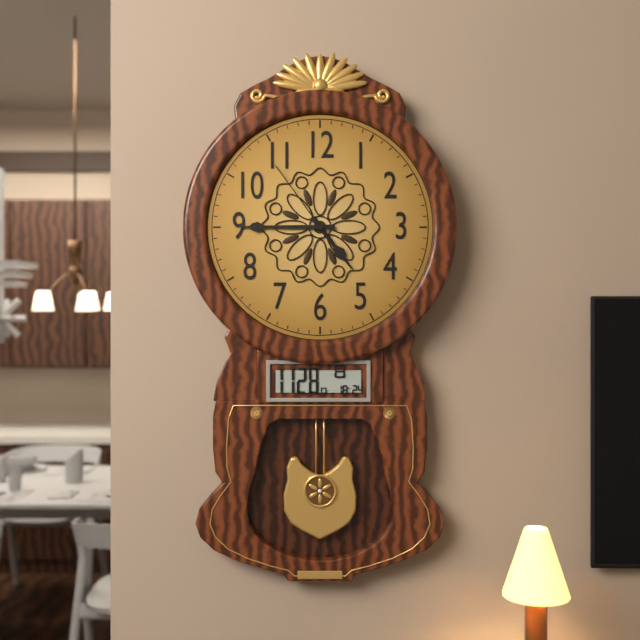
4:45:54
